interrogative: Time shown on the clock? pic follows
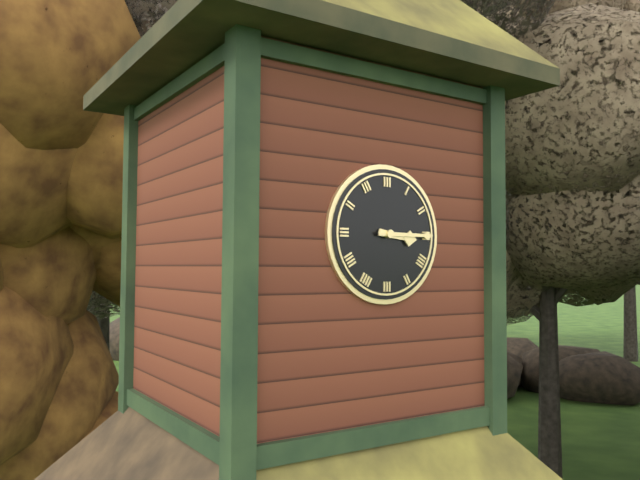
3:15
